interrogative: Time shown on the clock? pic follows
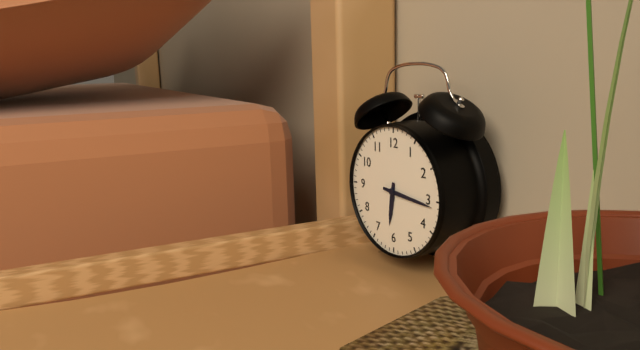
6:16
